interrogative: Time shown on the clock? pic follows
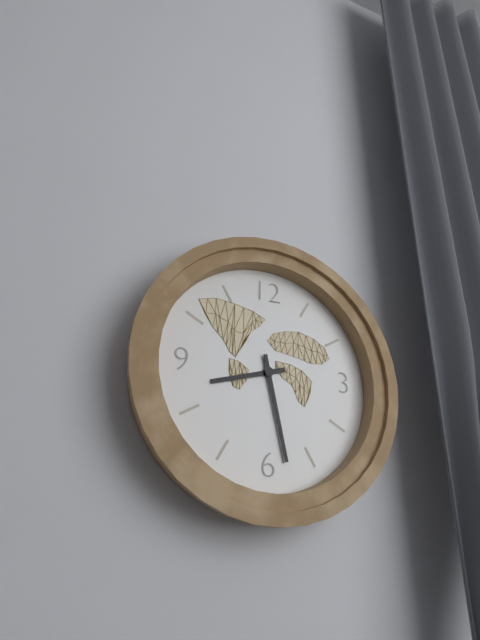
8:28
